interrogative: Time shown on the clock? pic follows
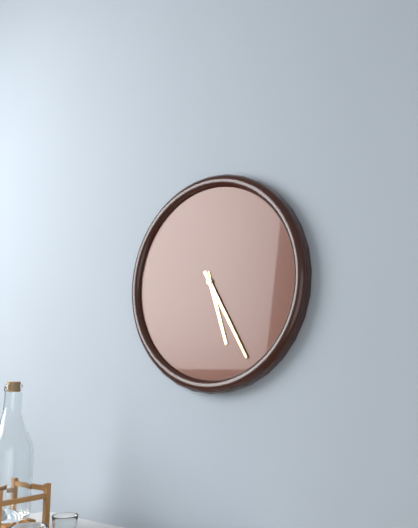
5:25
